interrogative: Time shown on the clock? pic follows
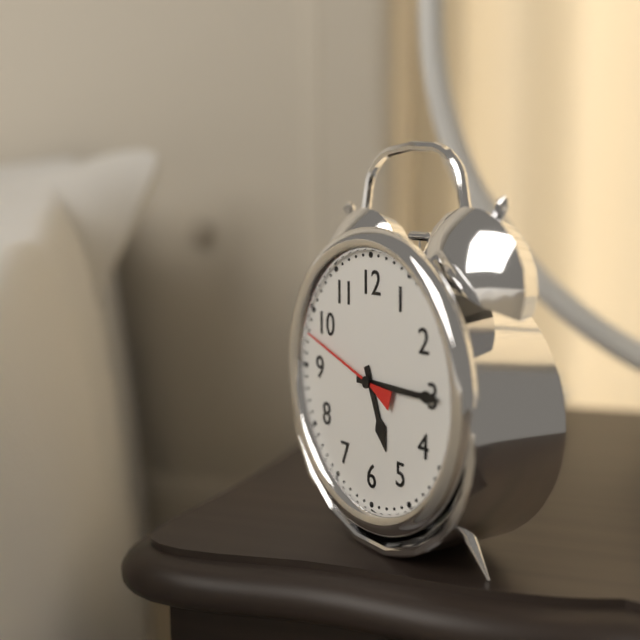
5:15:48
